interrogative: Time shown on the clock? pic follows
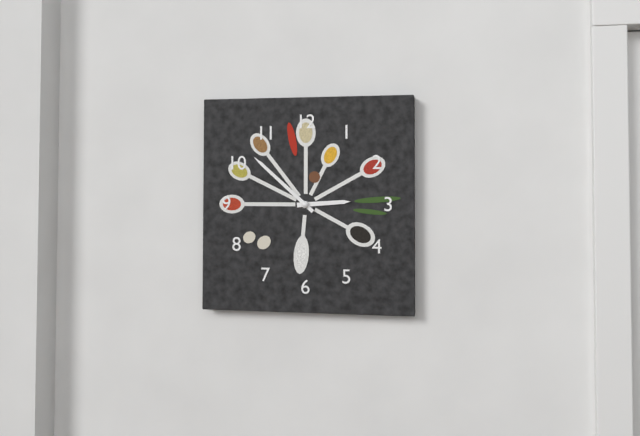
2:52
